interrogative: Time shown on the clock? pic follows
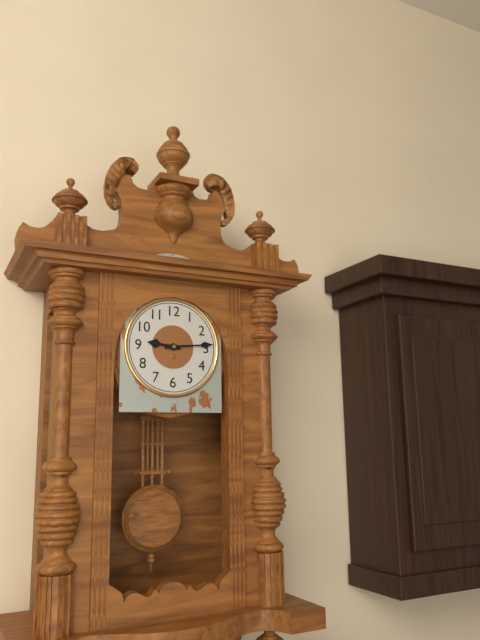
9:14
